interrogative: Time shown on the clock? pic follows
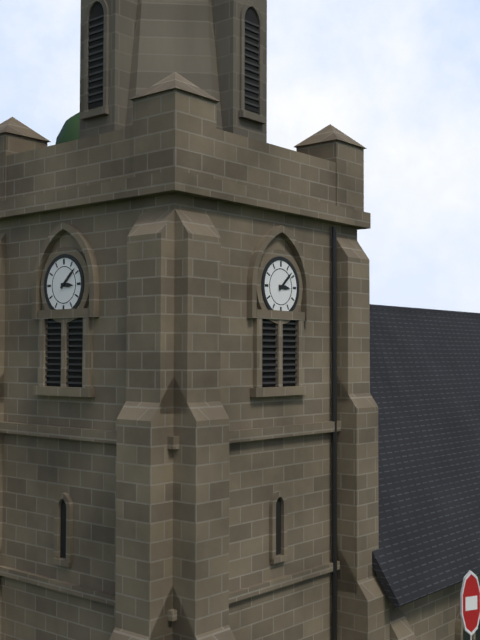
3:08
